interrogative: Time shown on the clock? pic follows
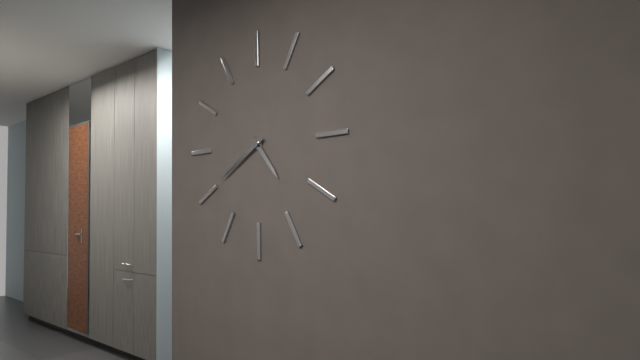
4:40
